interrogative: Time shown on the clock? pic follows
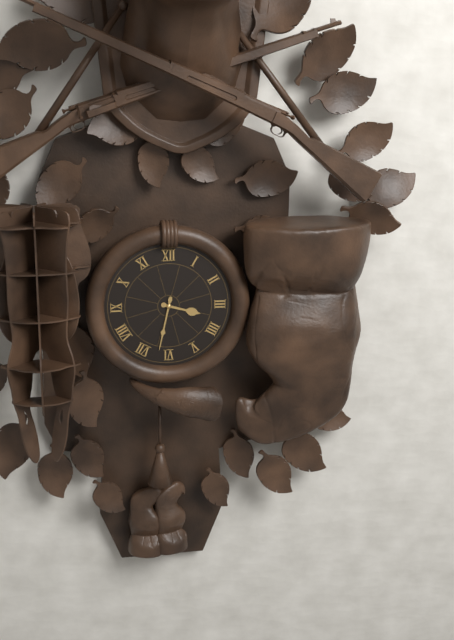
3:32
